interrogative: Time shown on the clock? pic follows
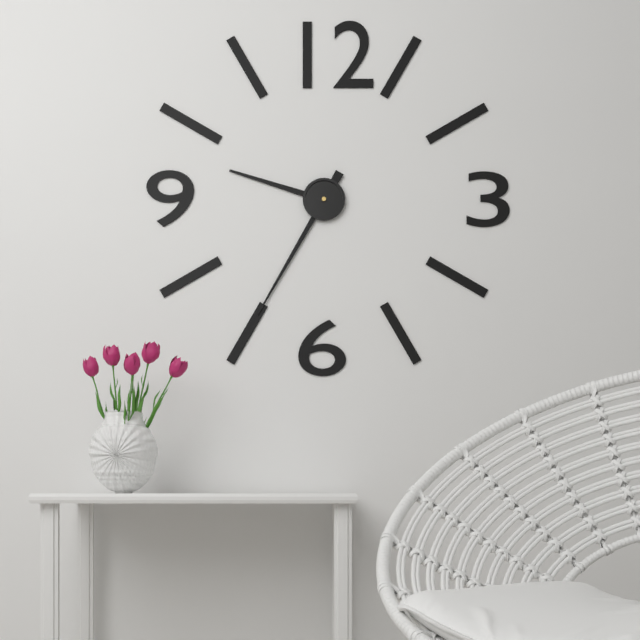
9:35
